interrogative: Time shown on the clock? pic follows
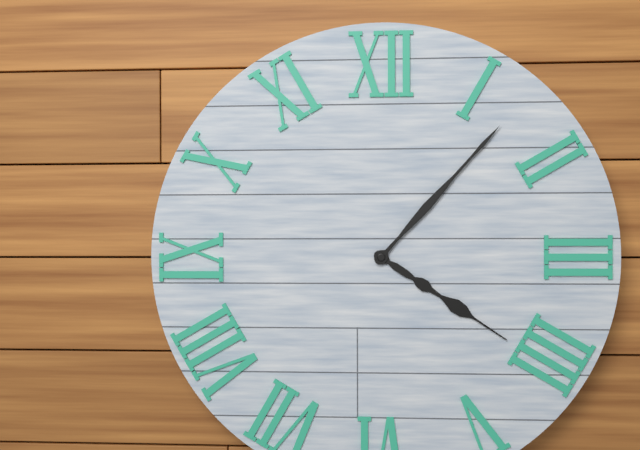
4:07
